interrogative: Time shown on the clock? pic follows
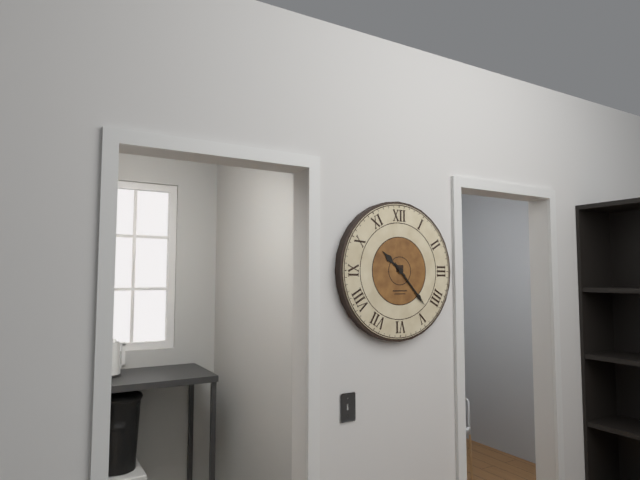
10:23
